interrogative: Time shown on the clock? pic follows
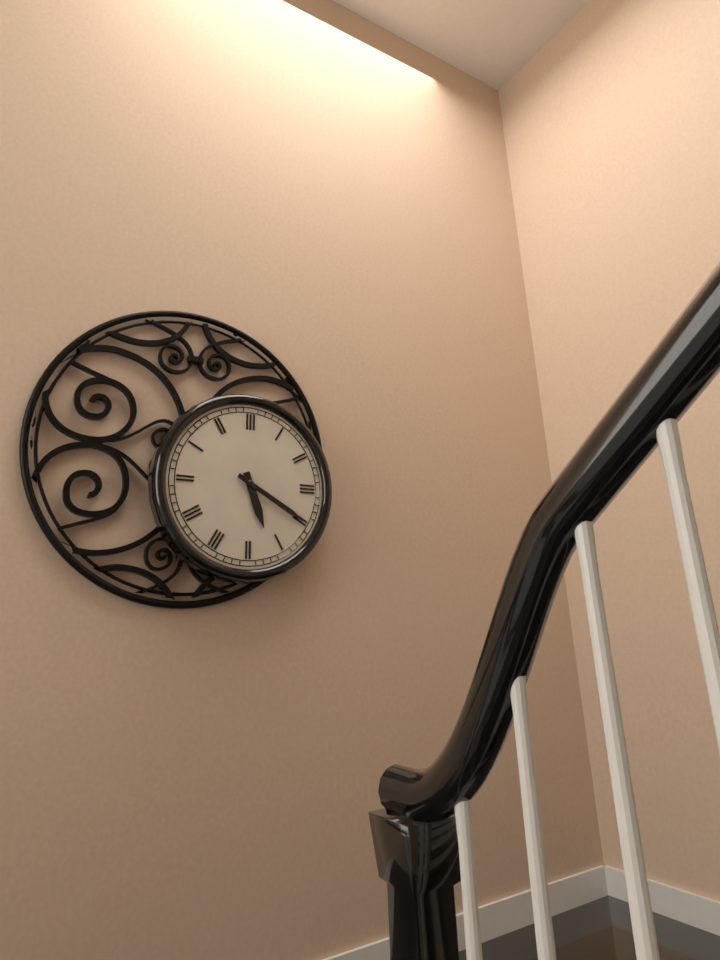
5:20
